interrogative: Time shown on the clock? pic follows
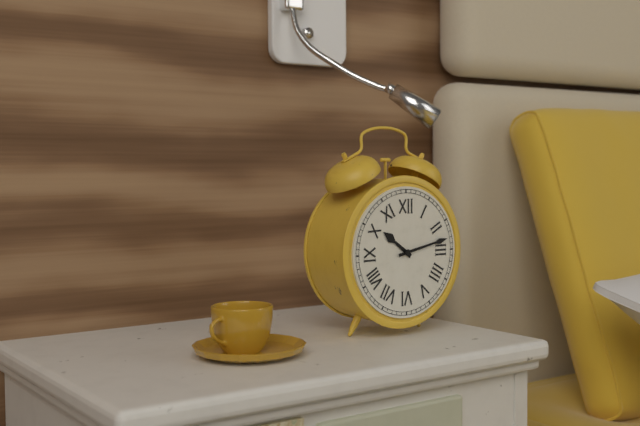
10:13
